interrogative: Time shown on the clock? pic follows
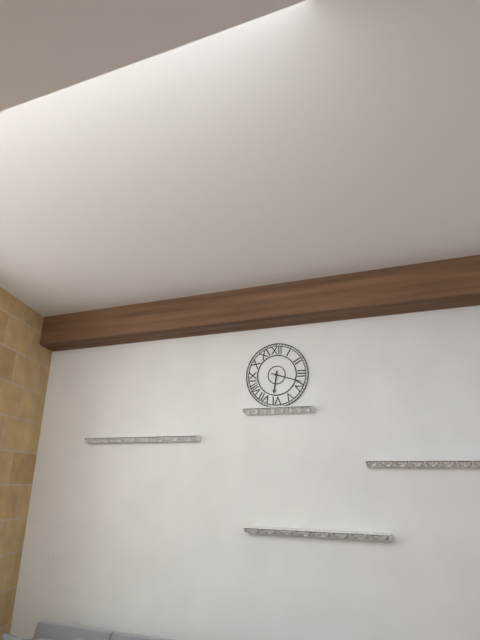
6:18
